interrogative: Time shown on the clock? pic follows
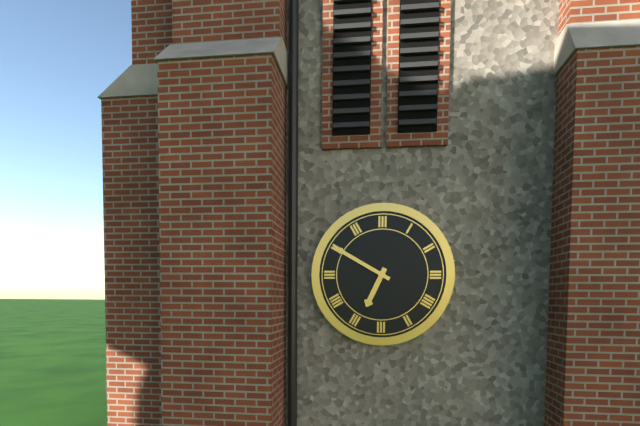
6:50
